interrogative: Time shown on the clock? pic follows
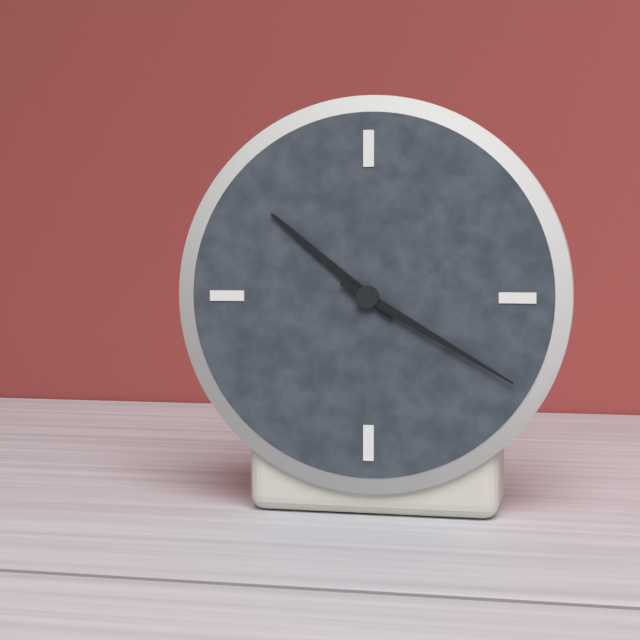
10:20
